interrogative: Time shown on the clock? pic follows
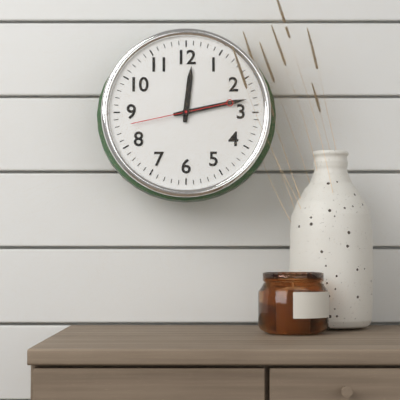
12:13:43
